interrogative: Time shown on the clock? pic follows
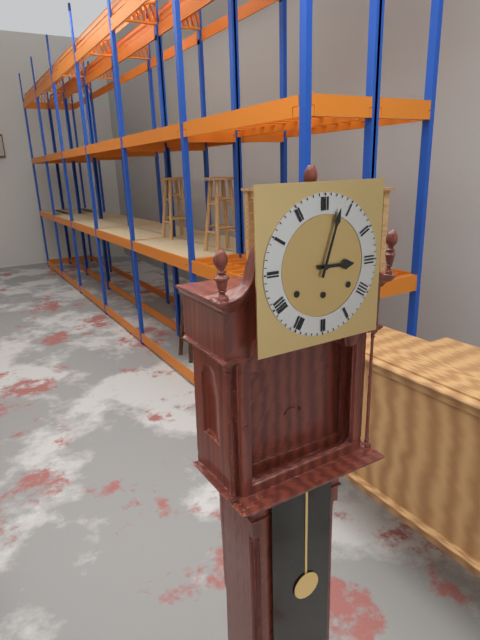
3:03
